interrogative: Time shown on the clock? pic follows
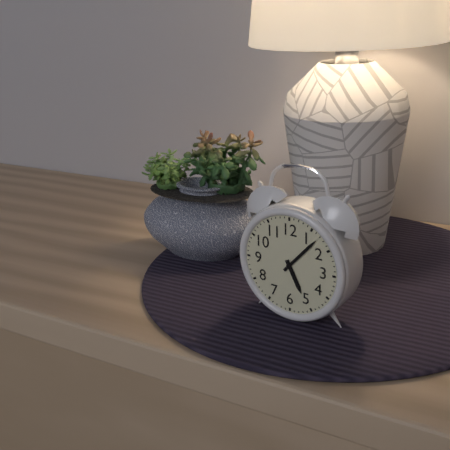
5:07
